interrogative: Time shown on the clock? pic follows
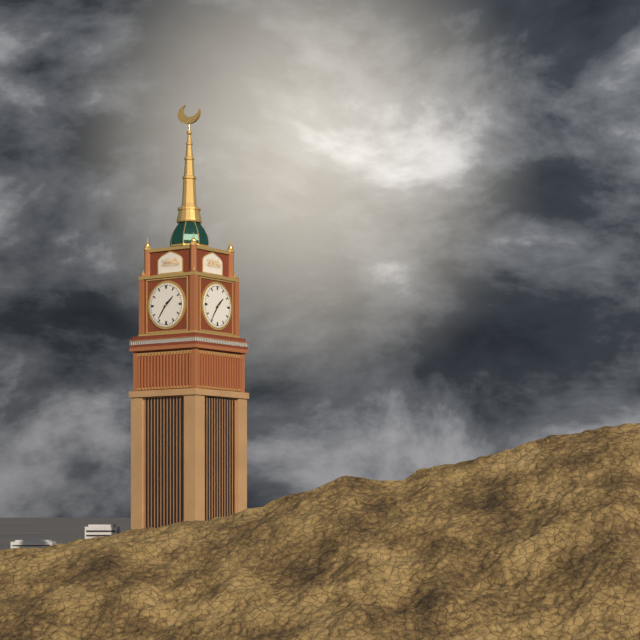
1:36
